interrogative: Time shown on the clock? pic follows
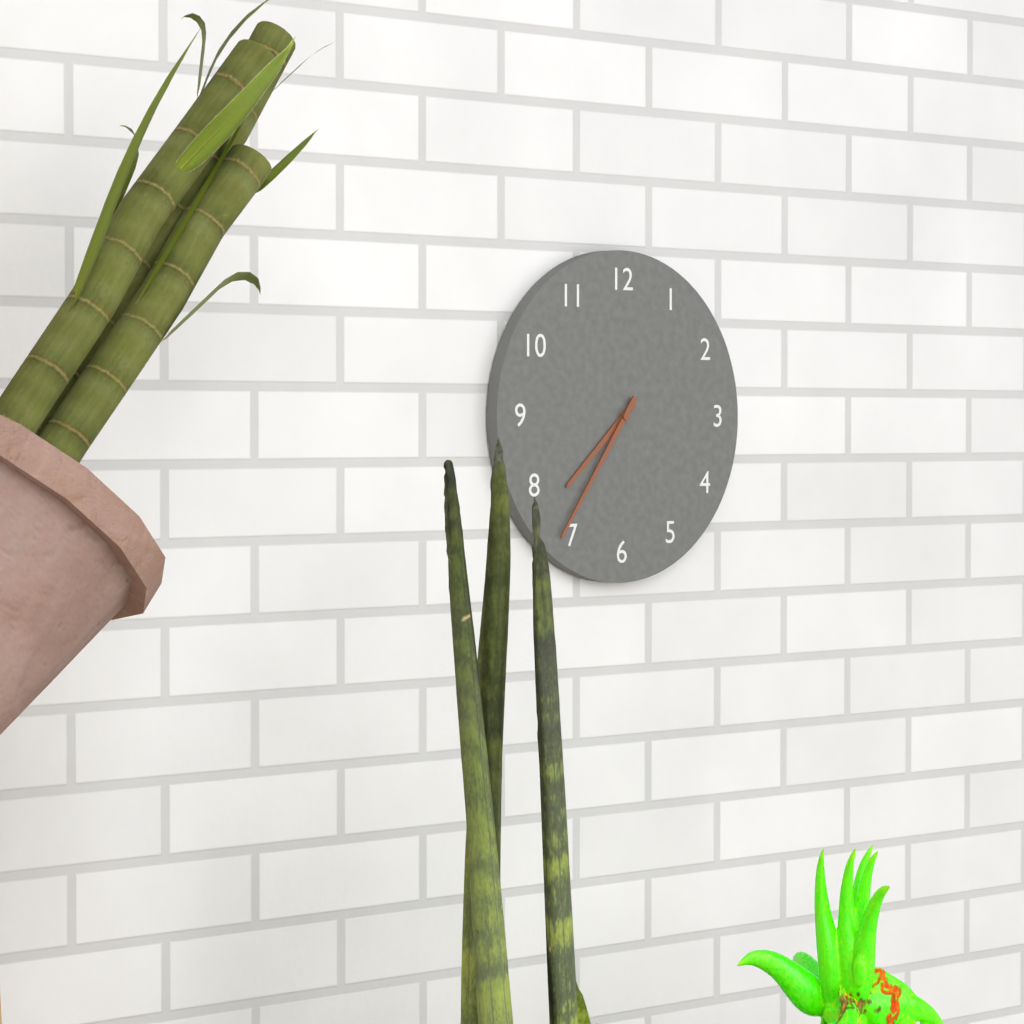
7:36
